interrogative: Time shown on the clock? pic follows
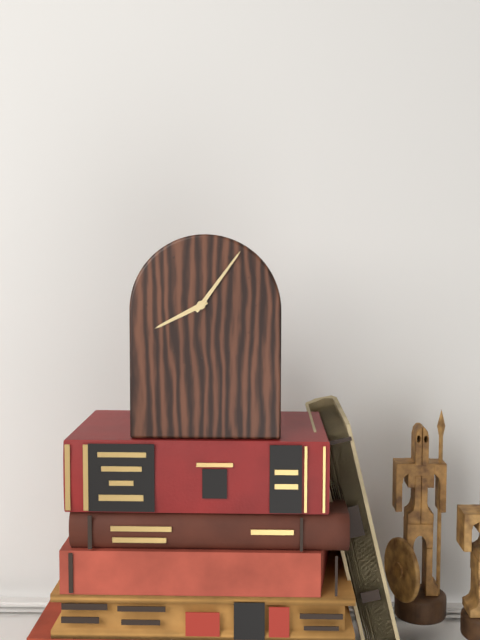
8:06
